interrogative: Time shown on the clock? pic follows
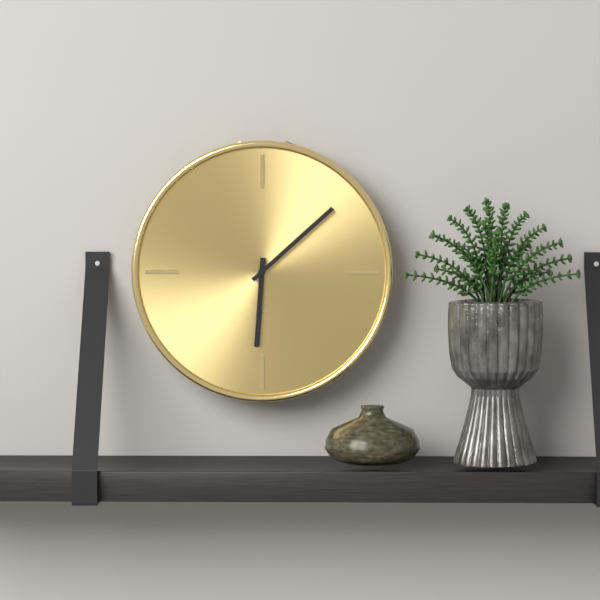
6:08
